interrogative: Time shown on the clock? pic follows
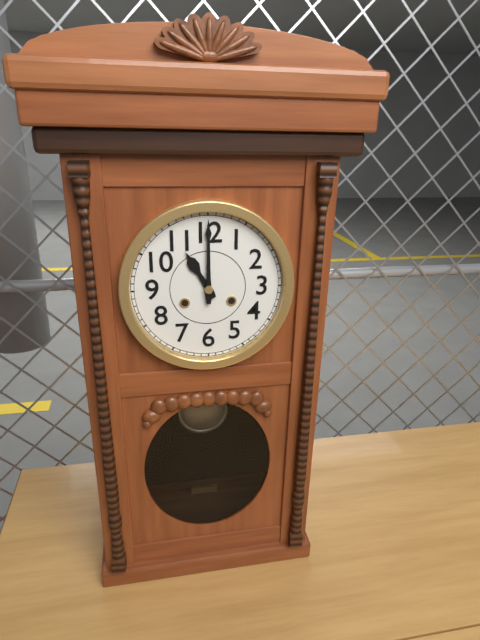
11:00
